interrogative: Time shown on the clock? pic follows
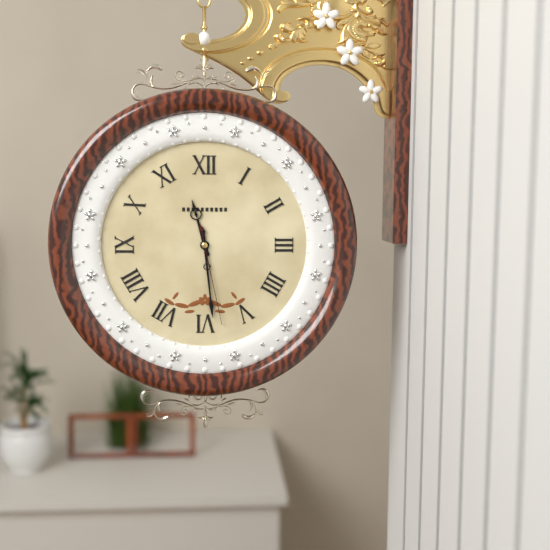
11:29:28
